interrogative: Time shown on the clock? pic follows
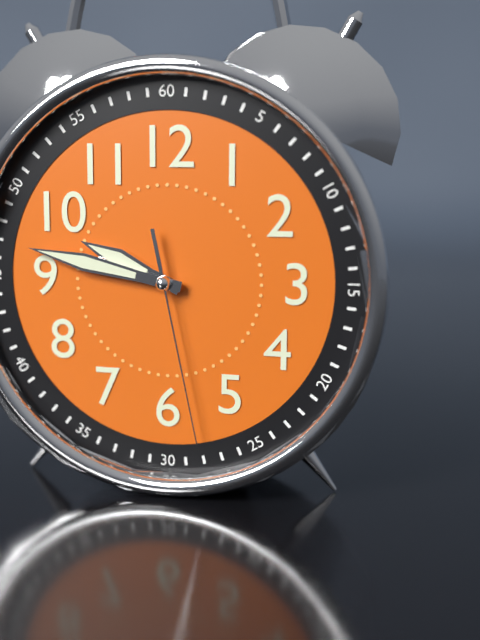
9:47:28
